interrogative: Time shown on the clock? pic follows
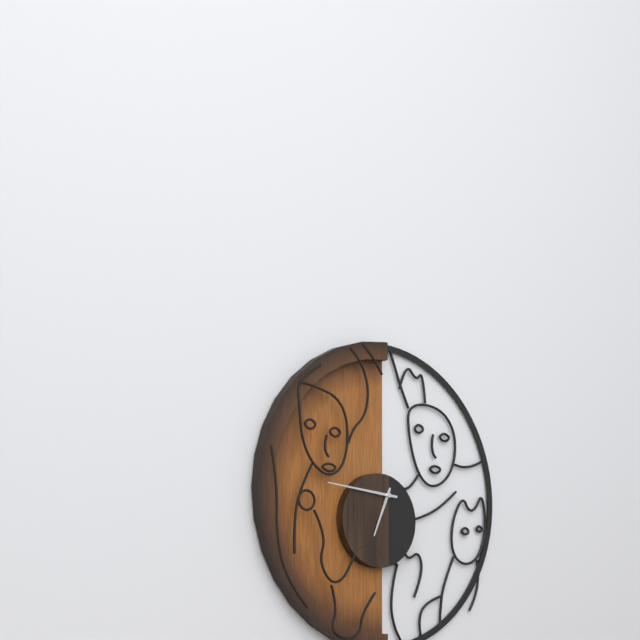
6:46
